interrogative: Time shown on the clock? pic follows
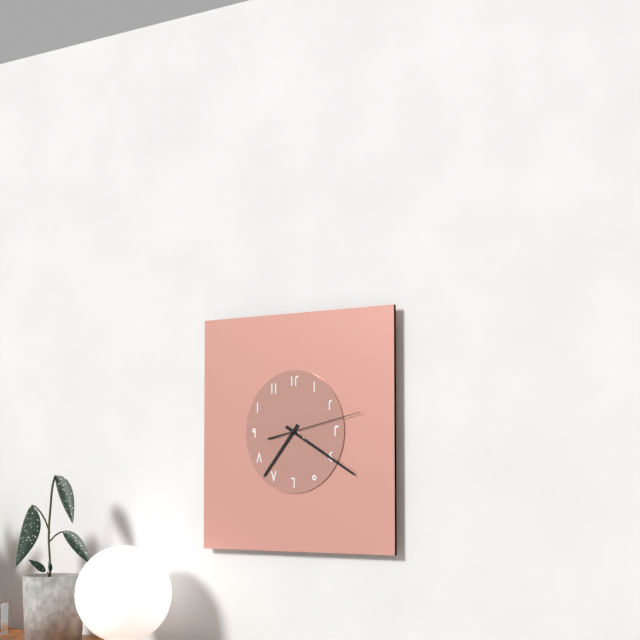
7:20:13
